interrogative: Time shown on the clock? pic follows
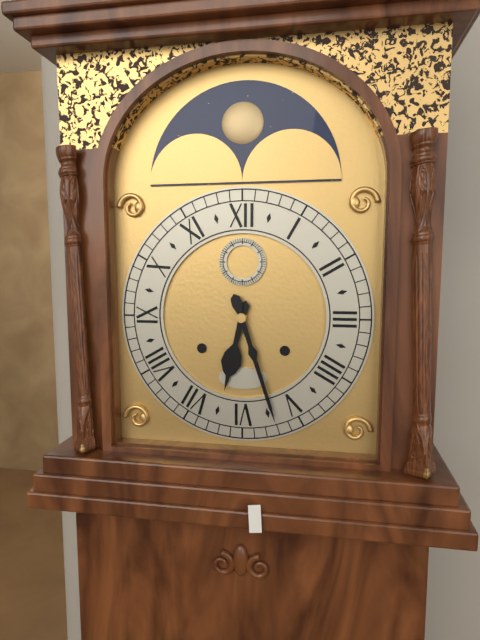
6:27
